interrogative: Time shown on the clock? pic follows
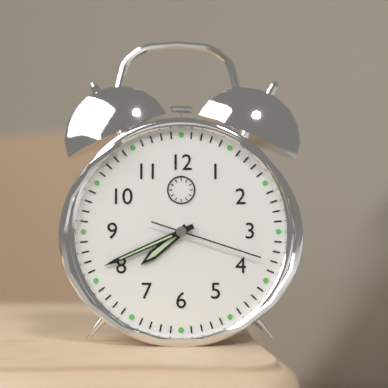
7:41:18
